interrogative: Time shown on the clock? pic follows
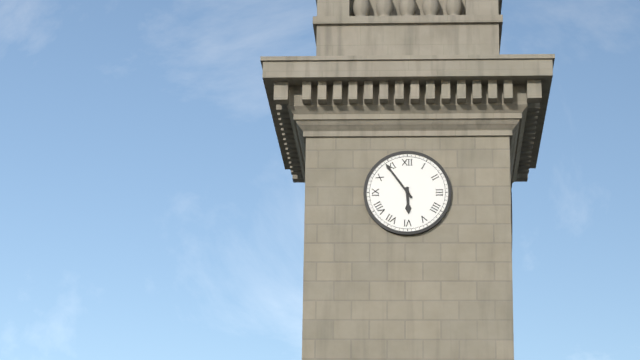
5:54
